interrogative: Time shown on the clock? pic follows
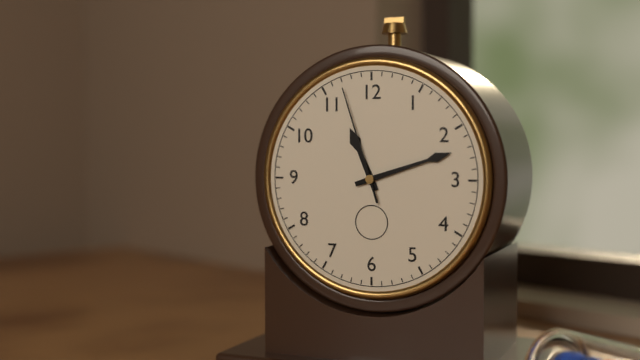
11:12:57
